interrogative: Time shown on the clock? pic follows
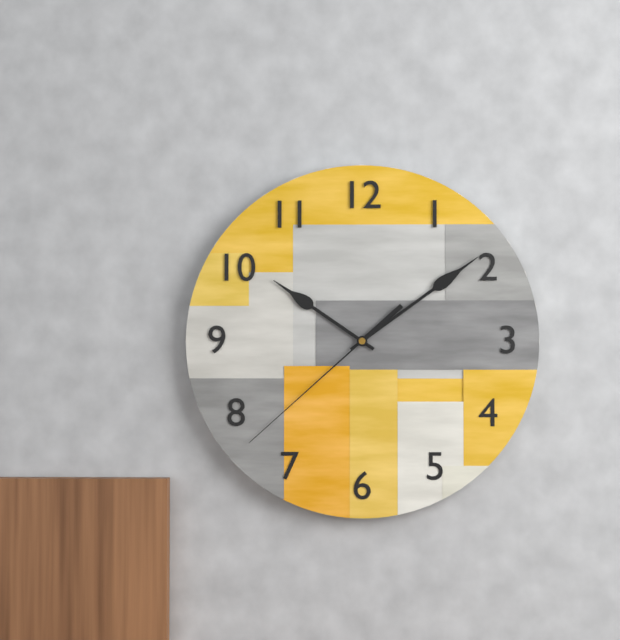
10:09:38
